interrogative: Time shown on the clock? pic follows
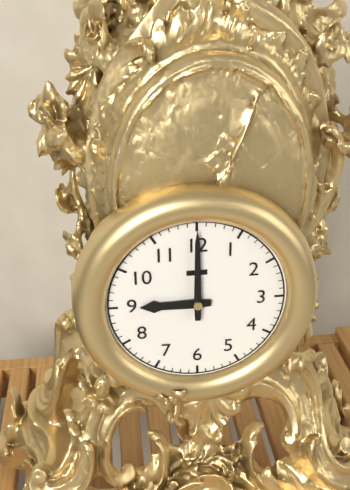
9:00
